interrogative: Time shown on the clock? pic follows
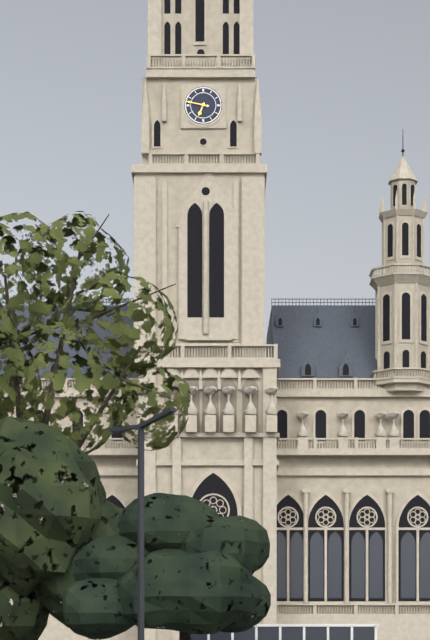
6:47
